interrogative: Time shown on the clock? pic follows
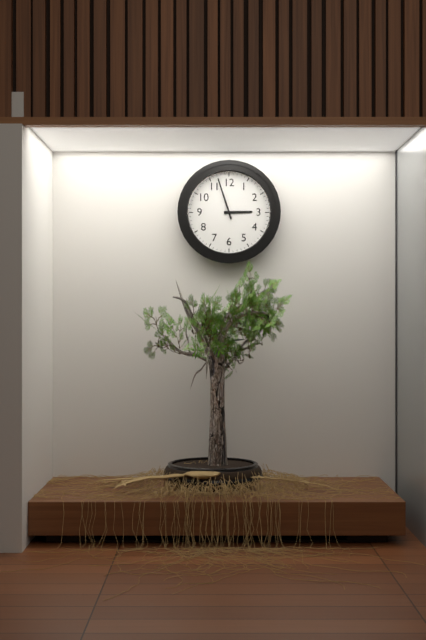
2:57
